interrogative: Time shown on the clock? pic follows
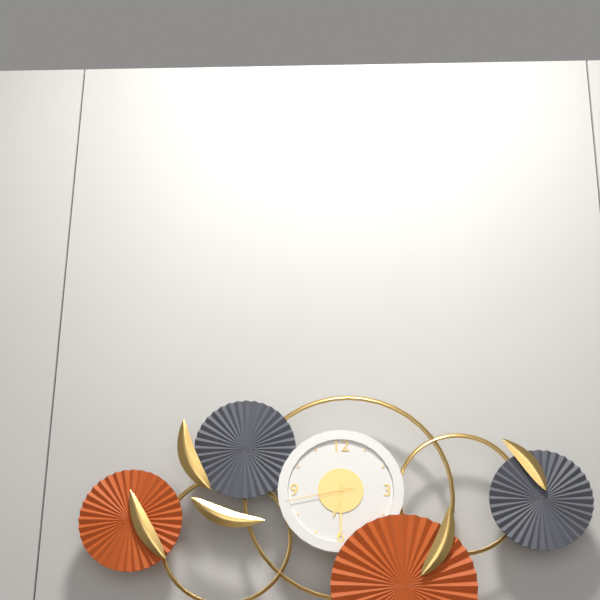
6:30:43
